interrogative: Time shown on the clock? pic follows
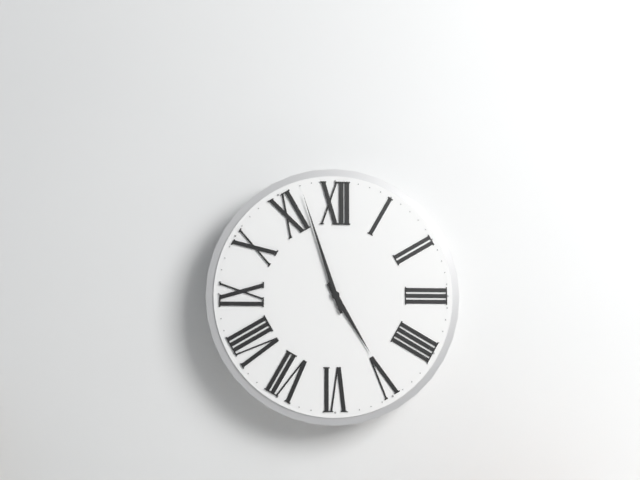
4:57
